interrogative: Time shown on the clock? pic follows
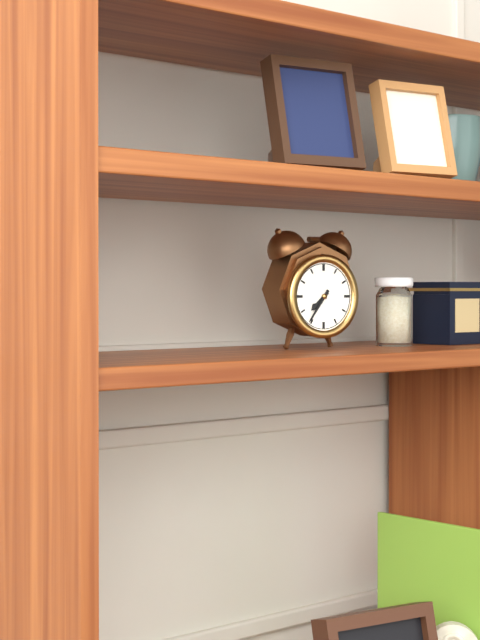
7:36
